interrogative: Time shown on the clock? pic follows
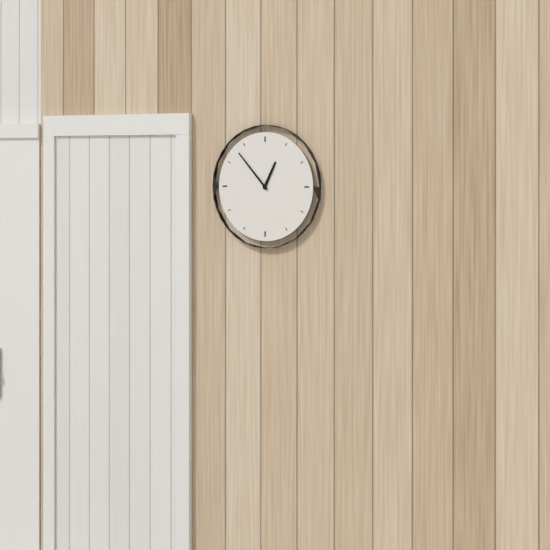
12:53
